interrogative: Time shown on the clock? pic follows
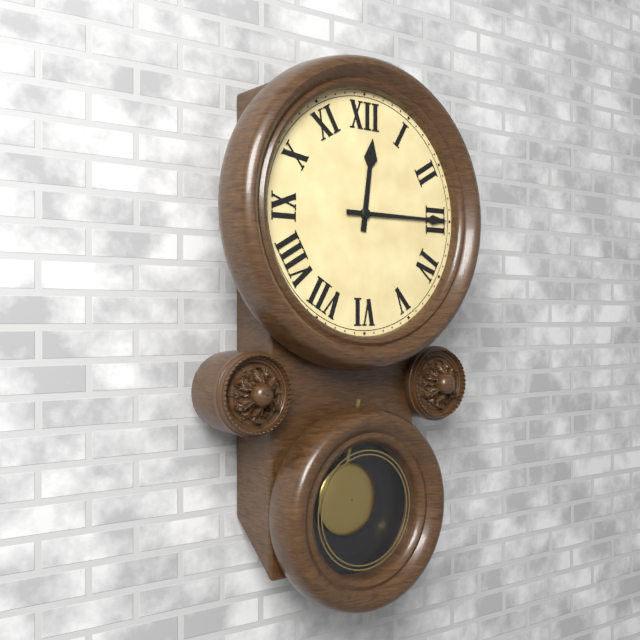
12:15
